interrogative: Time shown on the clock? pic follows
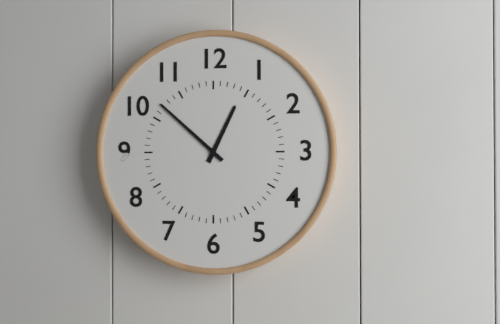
12:52
